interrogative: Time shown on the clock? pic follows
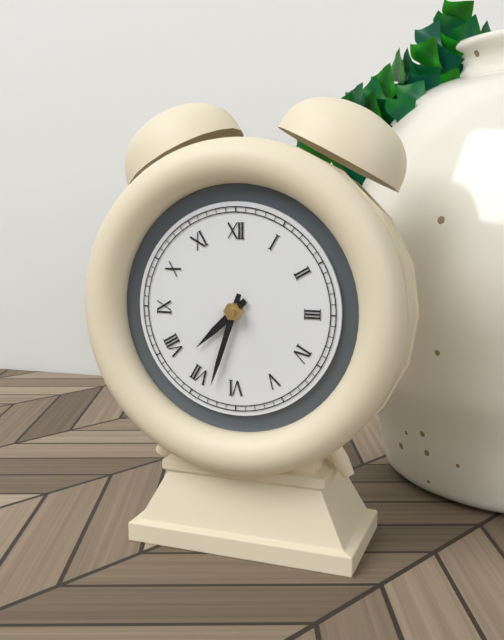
7:33
